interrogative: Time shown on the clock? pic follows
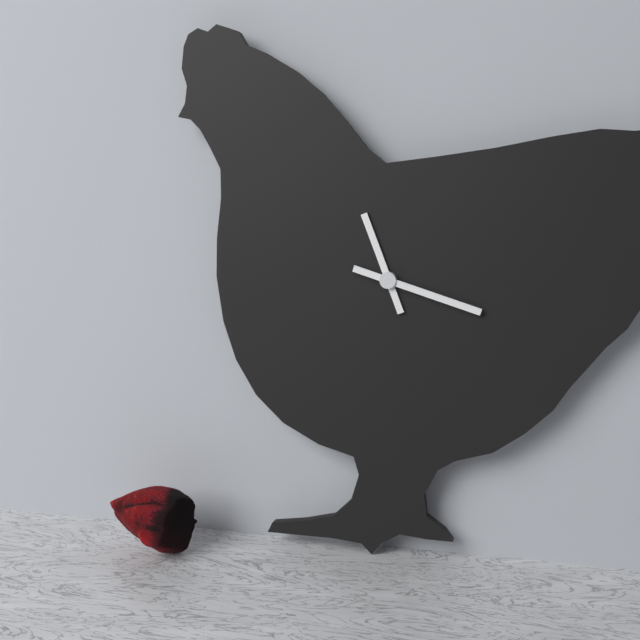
11:18
